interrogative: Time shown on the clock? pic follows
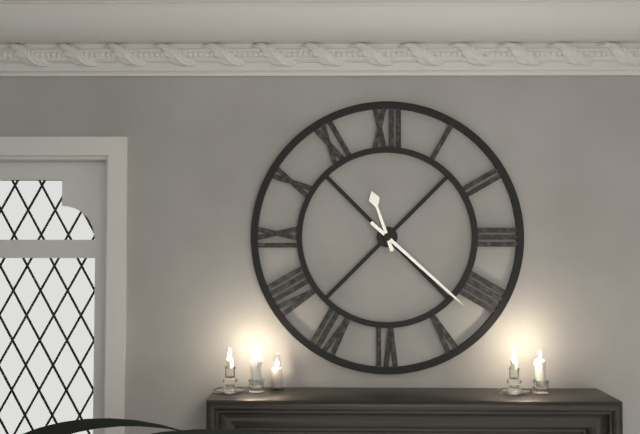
11:22
